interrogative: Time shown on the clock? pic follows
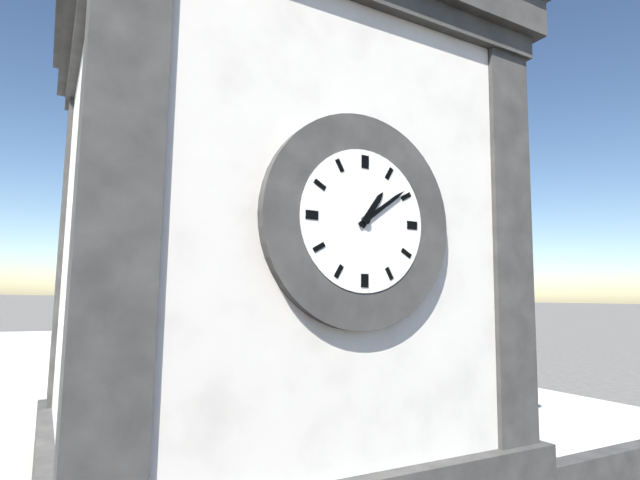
1:09
